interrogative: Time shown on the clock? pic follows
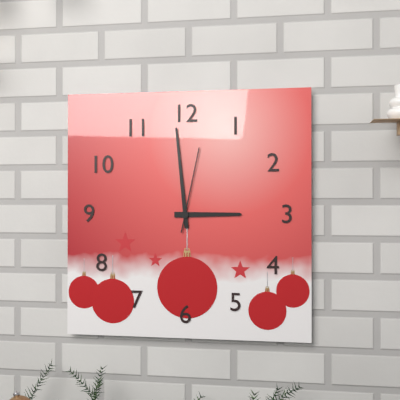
2:59:02
